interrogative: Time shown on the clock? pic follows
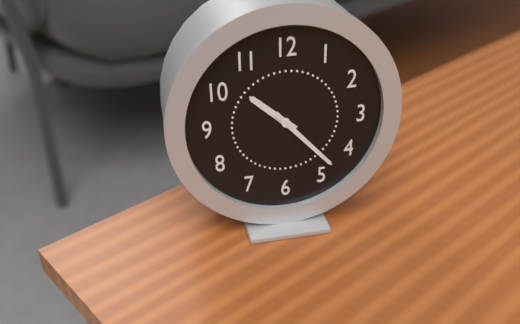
10:23
